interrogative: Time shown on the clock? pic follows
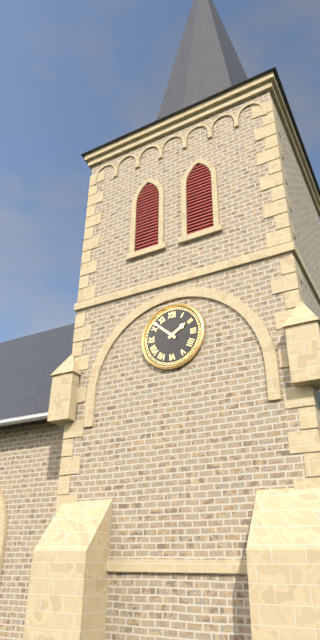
1:52
